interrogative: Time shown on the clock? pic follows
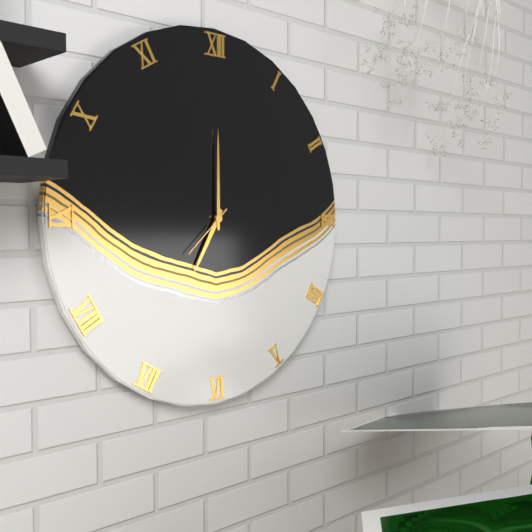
7:00
